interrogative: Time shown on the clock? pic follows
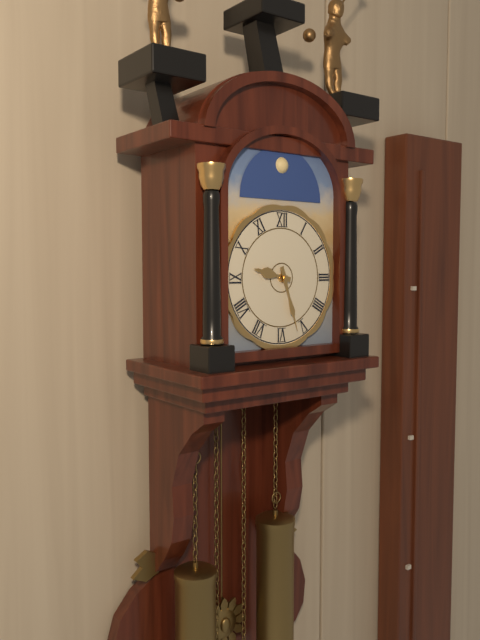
9:27
